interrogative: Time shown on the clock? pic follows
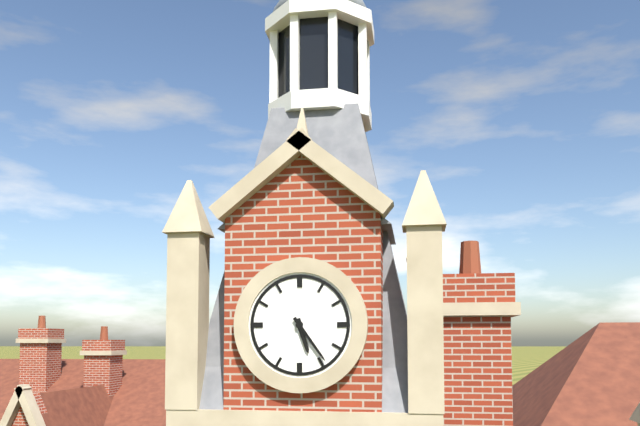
5:24
